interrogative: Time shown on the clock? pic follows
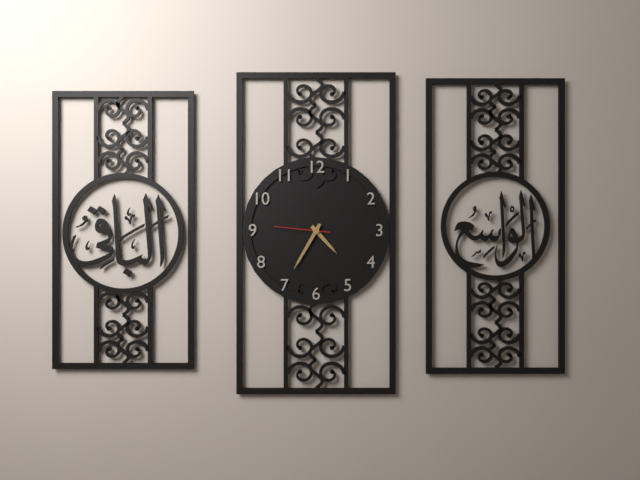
4:35:46
